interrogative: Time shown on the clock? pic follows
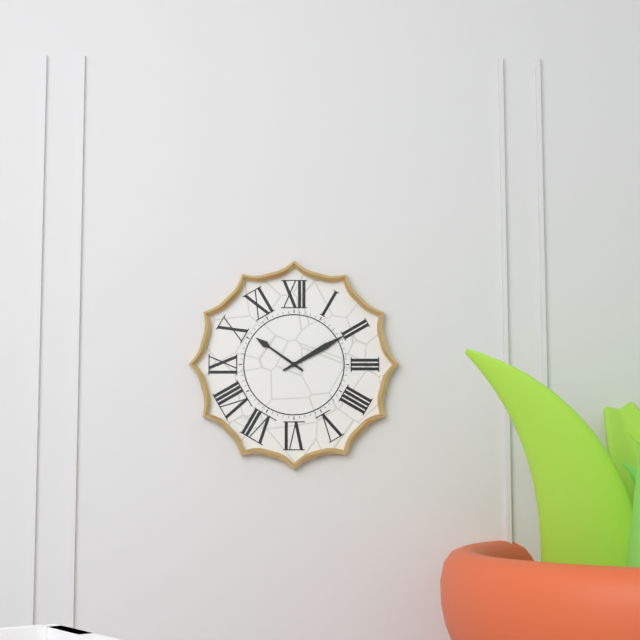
10:10
